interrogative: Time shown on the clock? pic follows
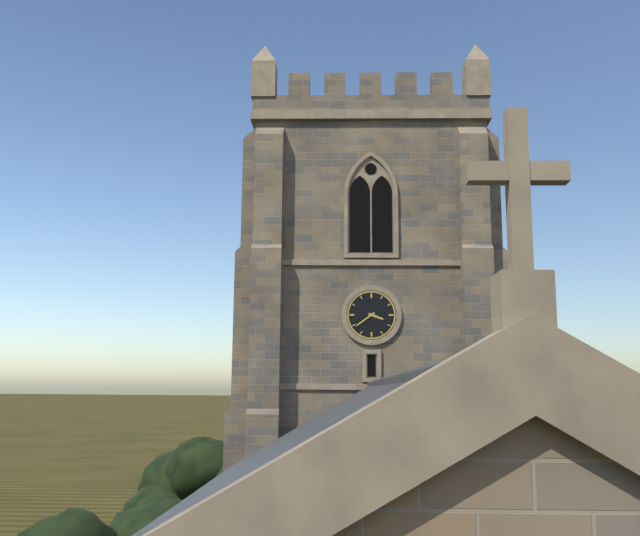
3:39
